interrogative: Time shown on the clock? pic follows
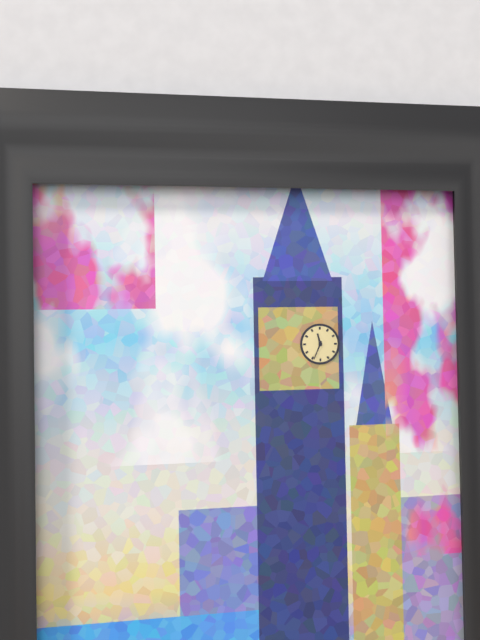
11:34
